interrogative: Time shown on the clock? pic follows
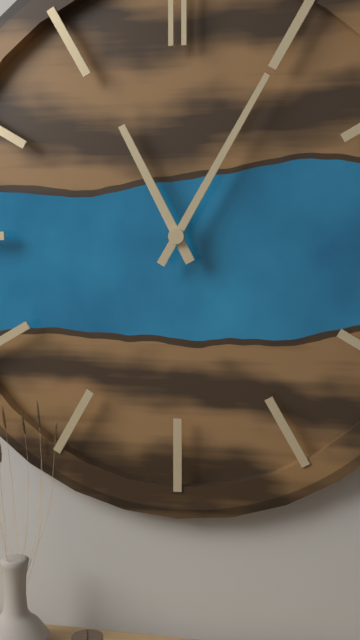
11:05
